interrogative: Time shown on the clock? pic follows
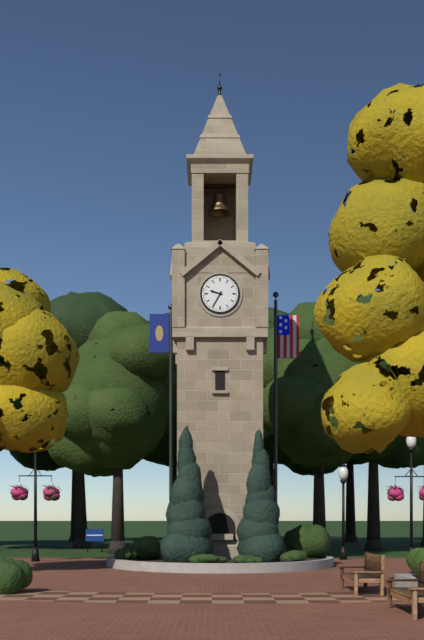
9:35
